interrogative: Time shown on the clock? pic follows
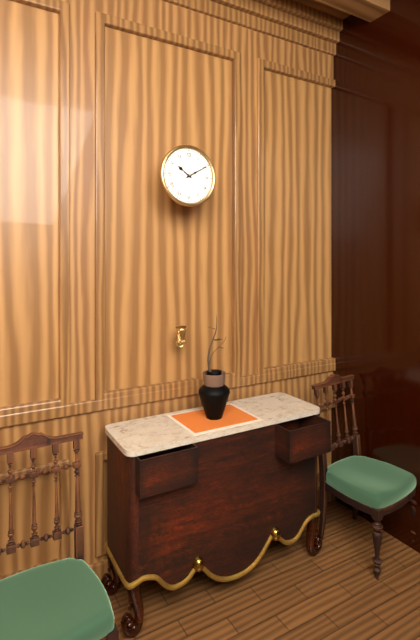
10:10
